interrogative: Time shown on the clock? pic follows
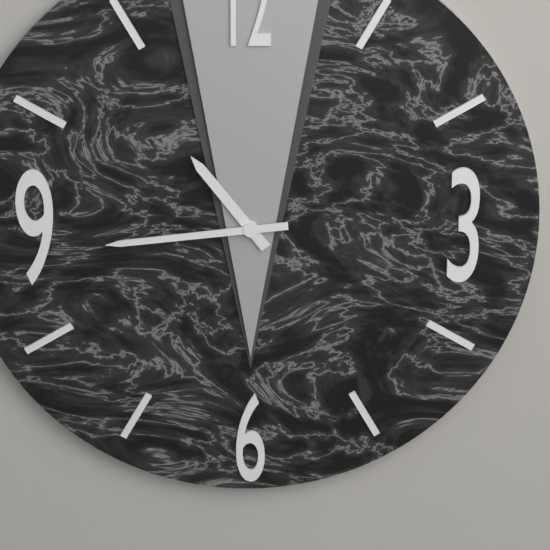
10:44
